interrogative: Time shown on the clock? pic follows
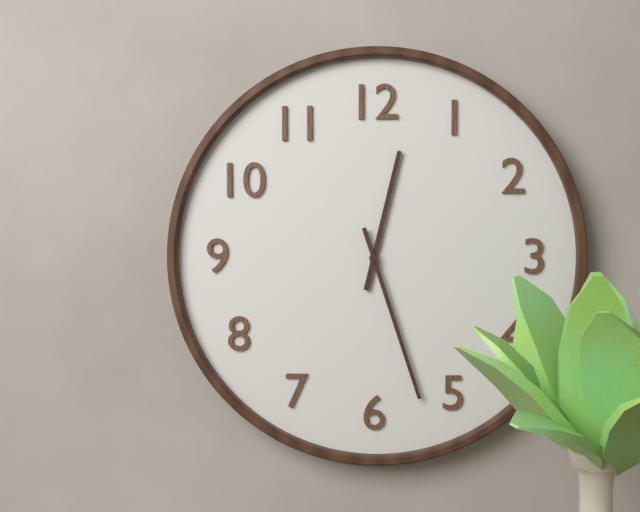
12:27
